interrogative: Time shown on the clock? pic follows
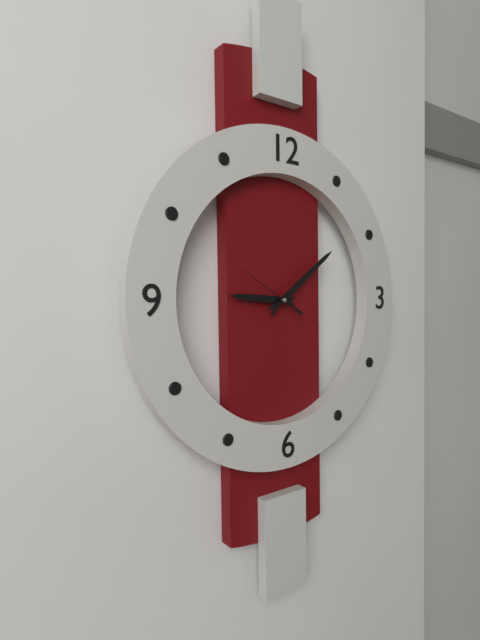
9:09:50
